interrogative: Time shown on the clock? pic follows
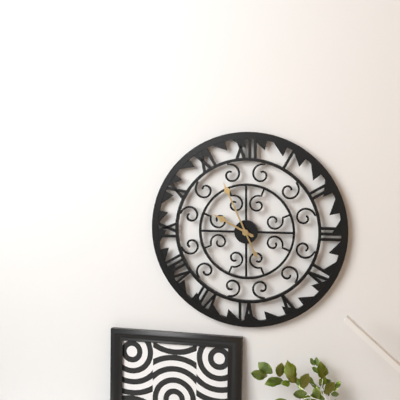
9:56
